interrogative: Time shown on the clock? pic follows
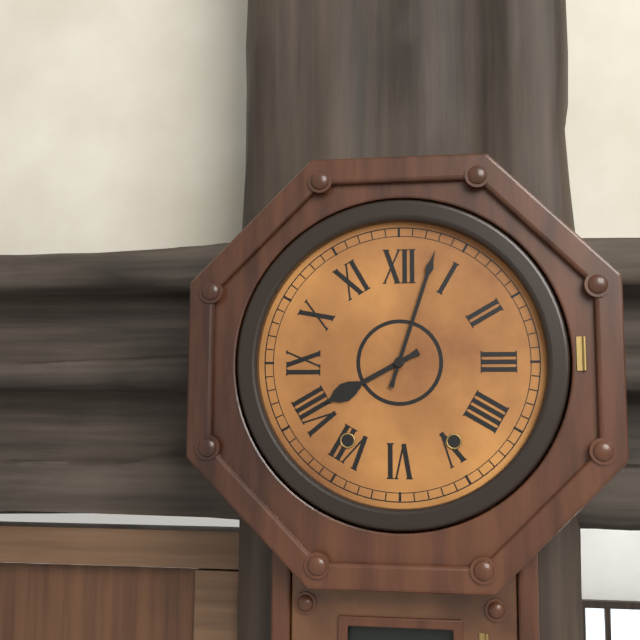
8:03
